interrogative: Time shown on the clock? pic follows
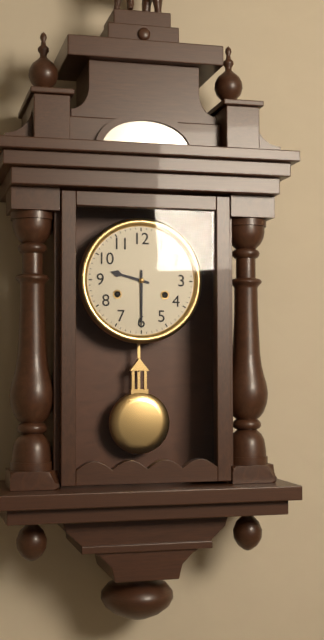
9:30
